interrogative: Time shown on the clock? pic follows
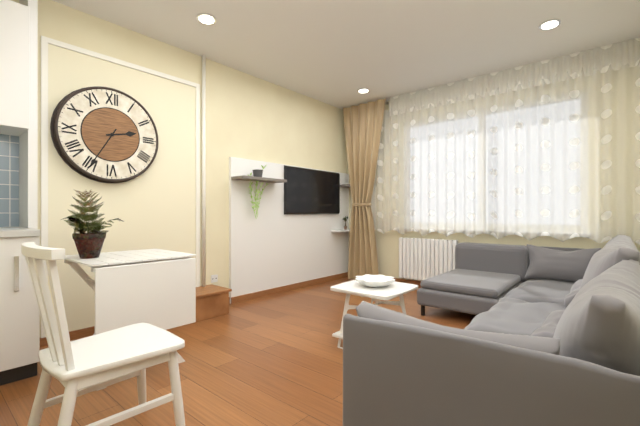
2:35
